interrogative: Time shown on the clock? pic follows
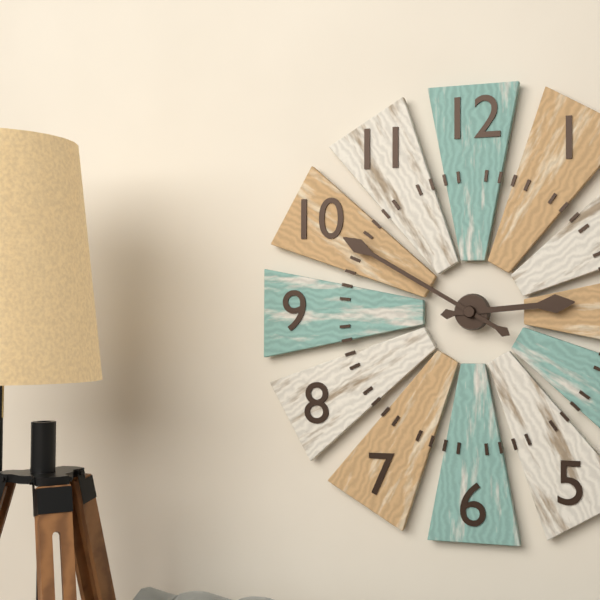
2:50
